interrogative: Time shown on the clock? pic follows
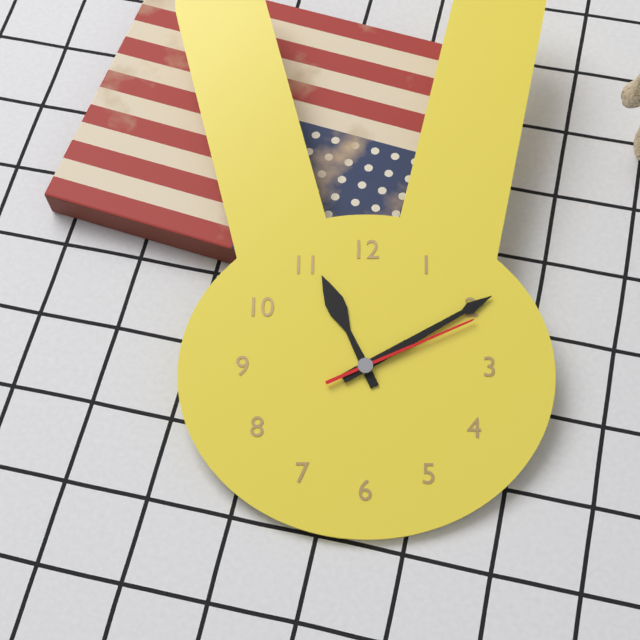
11:10:11
